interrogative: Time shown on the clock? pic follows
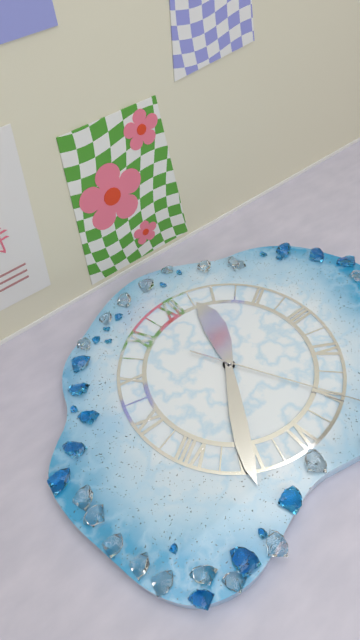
12:35
